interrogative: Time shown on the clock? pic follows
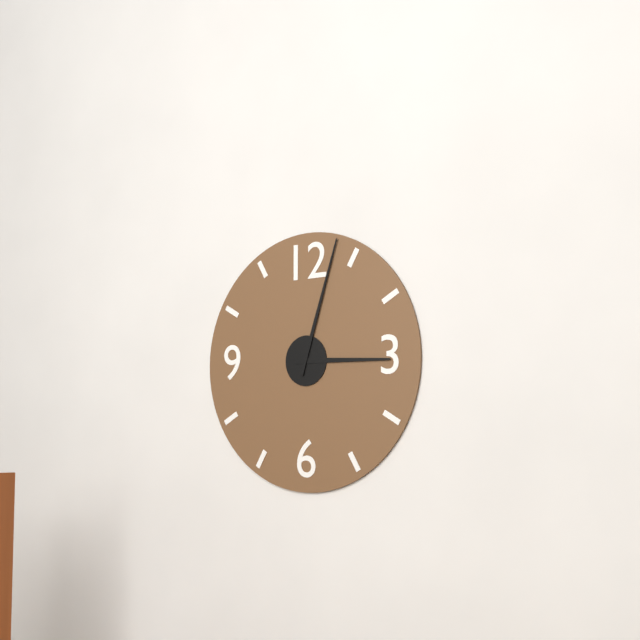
3:03
